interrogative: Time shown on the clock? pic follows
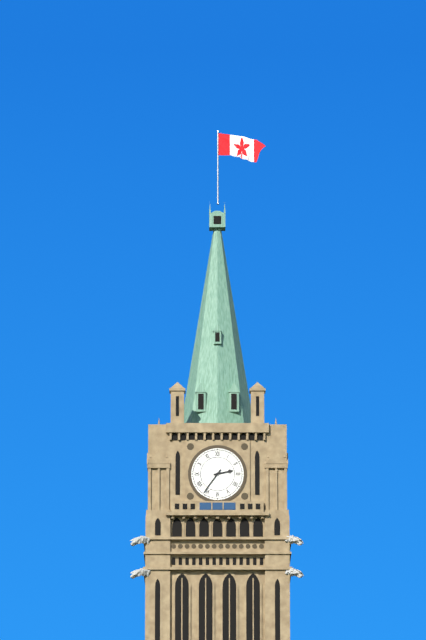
2:36
